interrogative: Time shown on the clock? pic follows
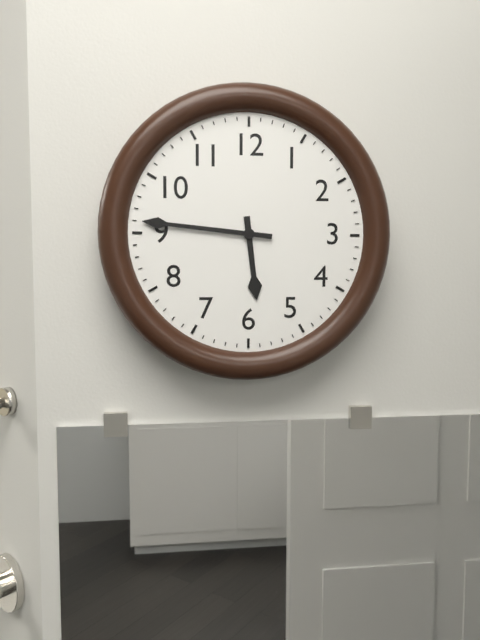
5:46
